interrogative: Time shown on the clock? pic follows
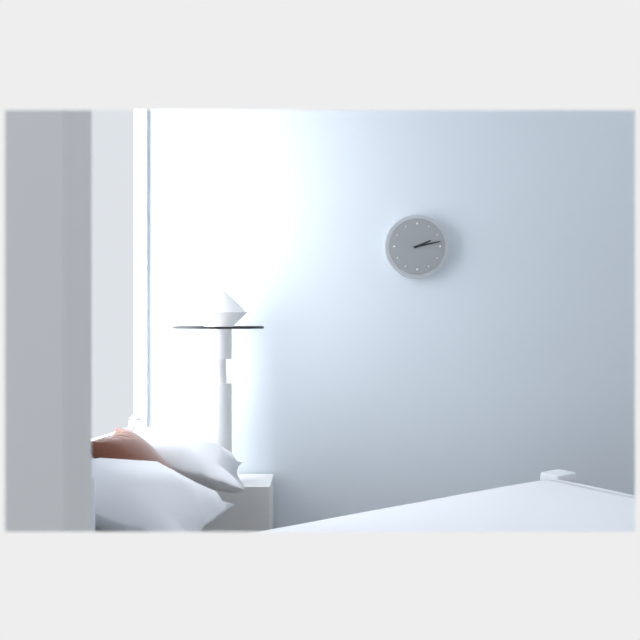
2:13
